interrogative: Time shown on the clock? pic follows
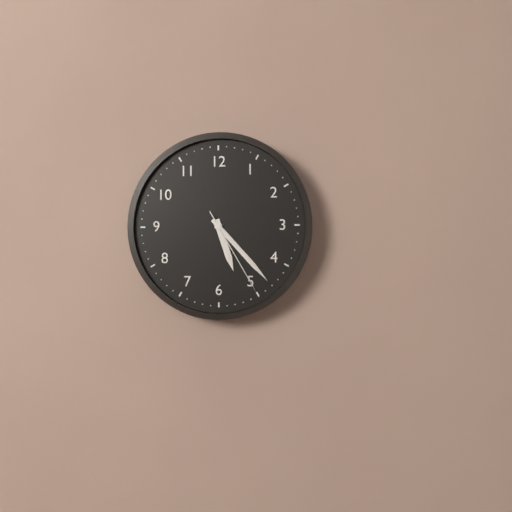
5:23:25
